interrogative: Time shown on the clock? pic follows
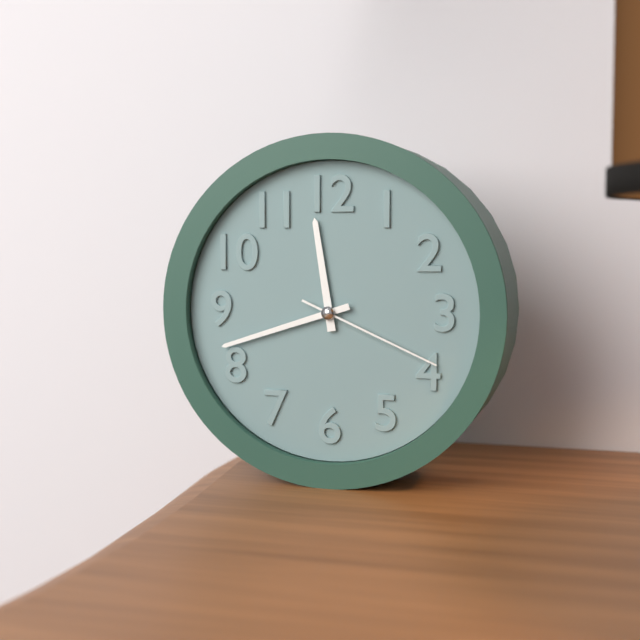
11:42:19
